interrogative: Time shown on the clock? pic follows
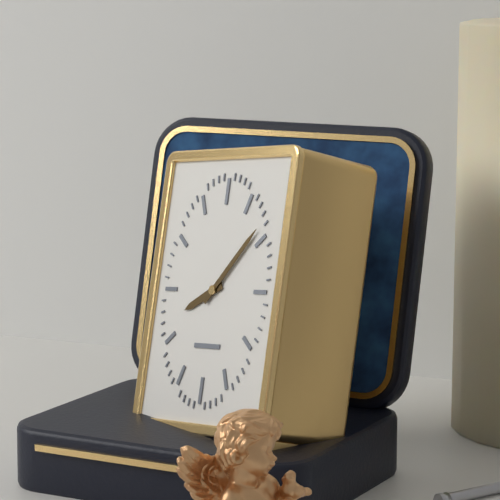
8:07
